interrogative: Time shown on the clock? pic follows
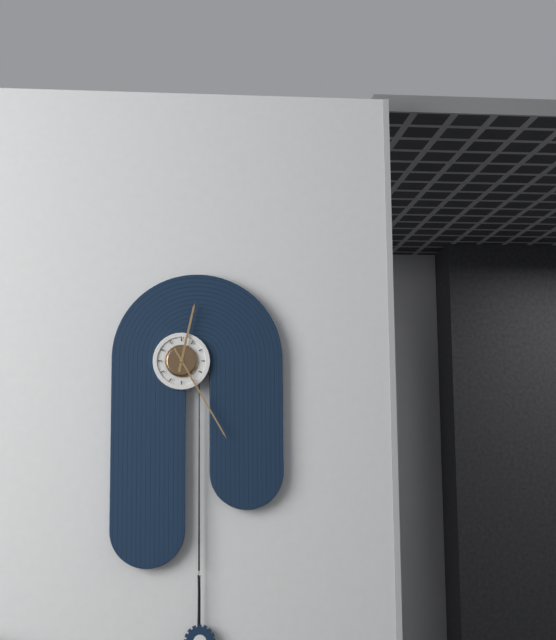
12:25
